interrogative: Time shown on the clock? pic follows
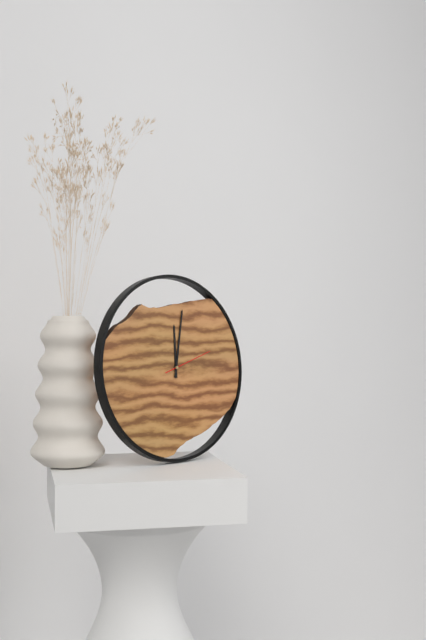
12:02:12
